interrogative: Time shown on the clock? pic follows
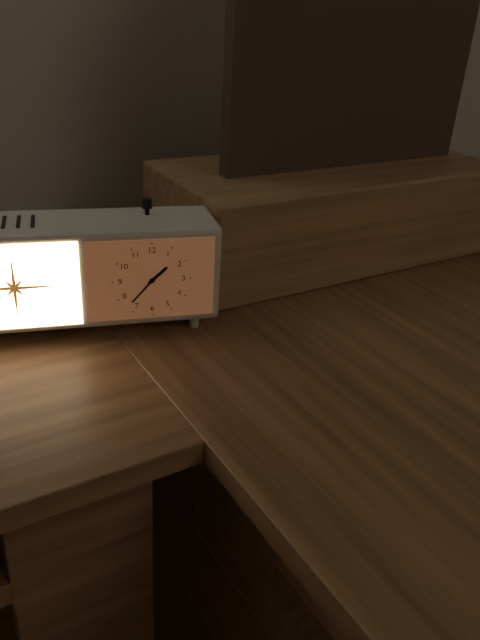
1:37
